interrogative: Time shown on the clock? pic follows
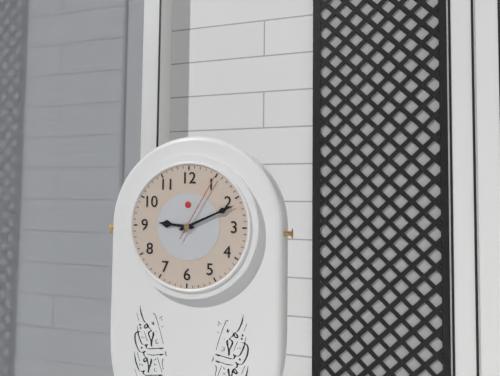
9:11:05
